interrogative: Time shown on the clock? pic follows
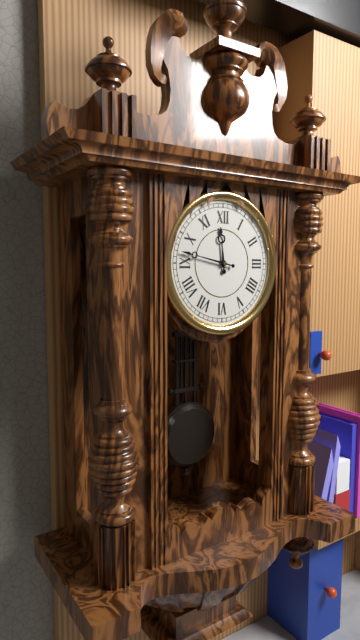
11:47
